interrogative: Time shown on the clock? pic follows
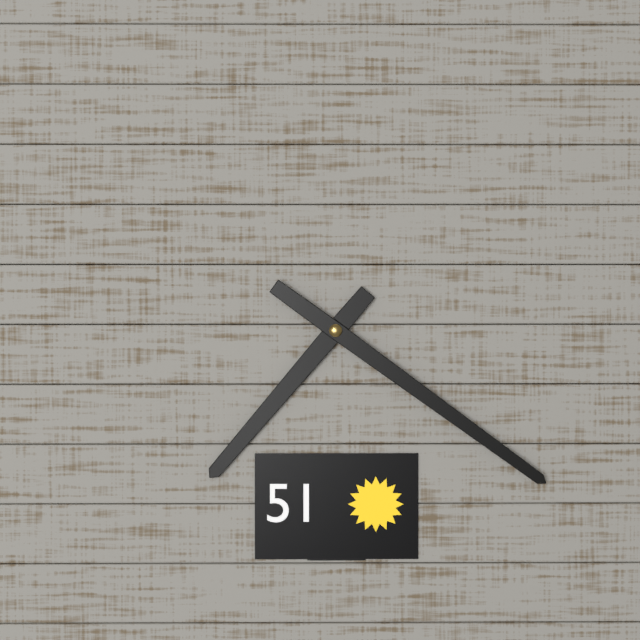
7:21
